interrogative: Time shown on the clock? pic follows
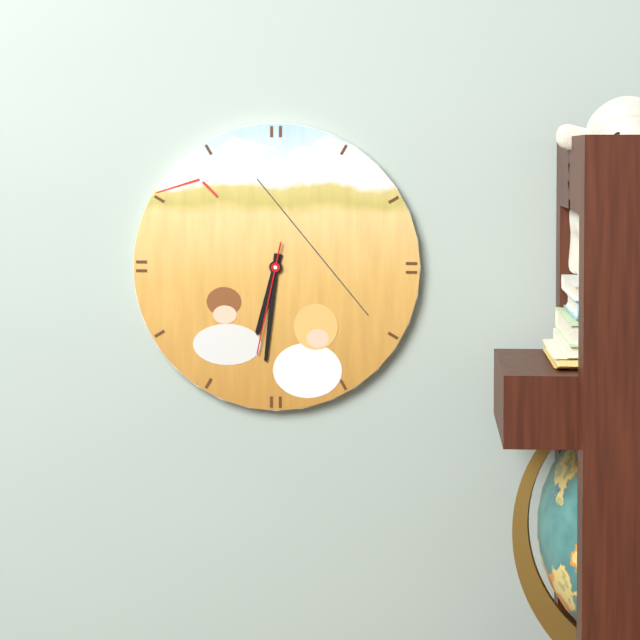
6:31:32
